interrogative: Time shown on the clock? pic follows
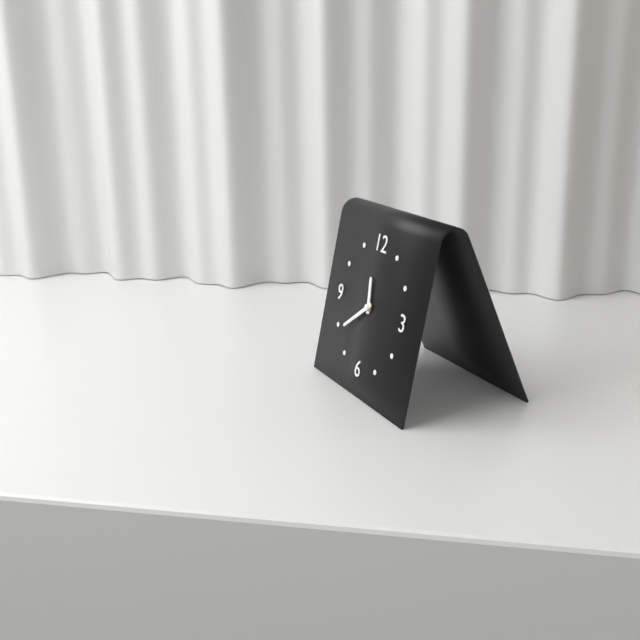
11:39
